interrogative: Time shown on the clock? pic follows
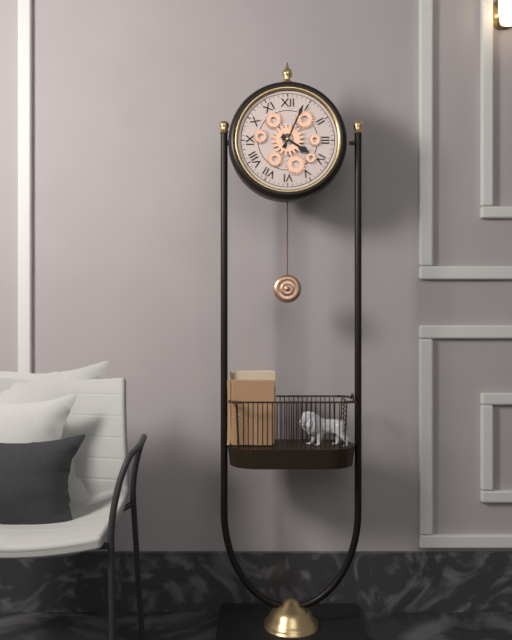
4:04
